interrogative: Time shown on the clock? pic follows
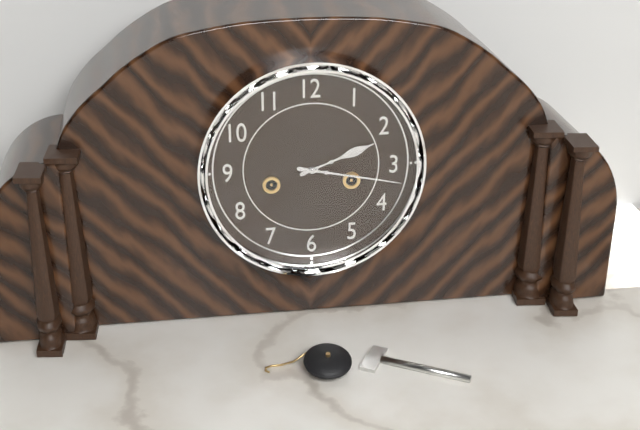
2:17
